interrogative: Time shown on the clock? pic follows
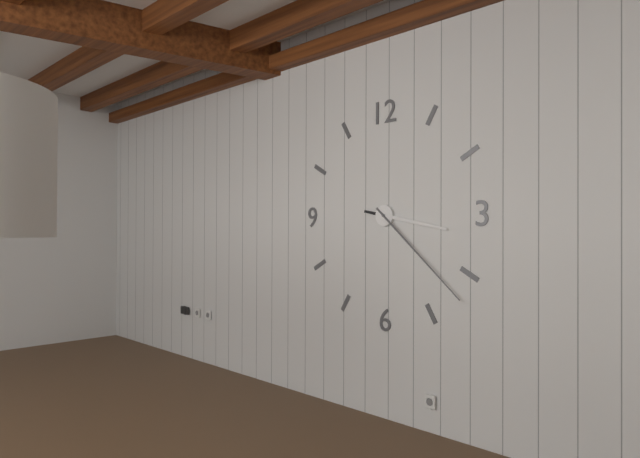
3:22
